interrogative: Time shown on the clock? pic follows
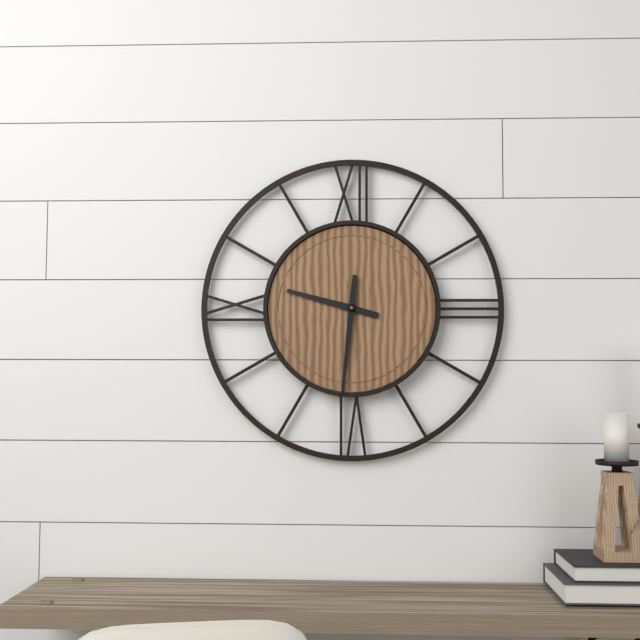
9:31
